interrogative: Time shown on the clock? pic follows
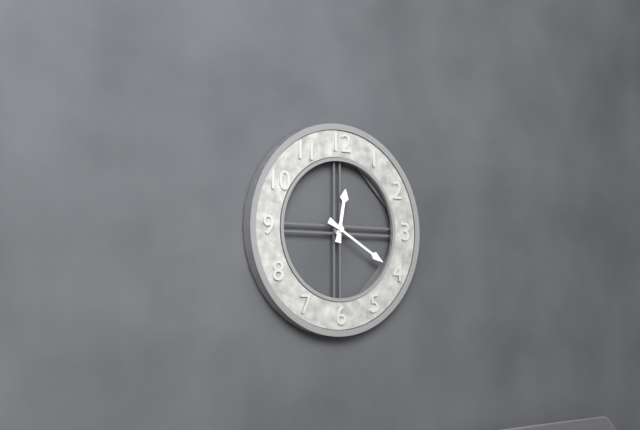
12:20
